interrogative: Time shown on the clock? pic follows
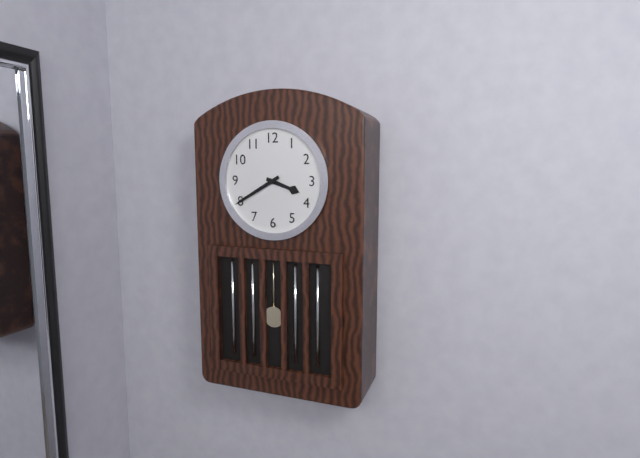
3:40
